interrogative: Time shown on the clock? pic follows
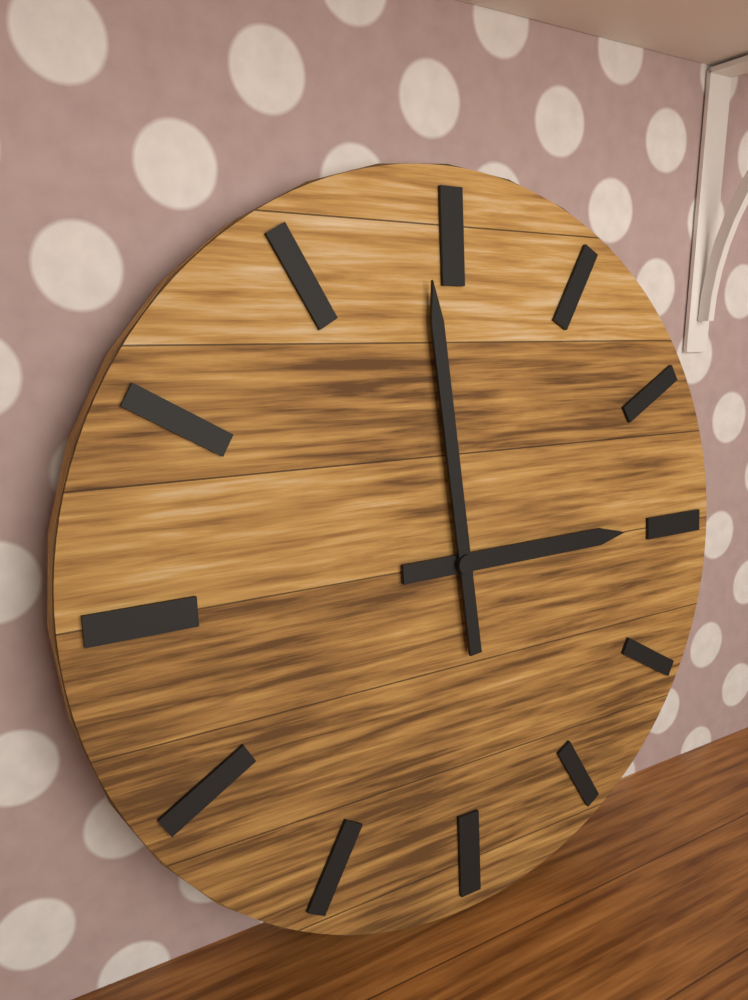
2:59
